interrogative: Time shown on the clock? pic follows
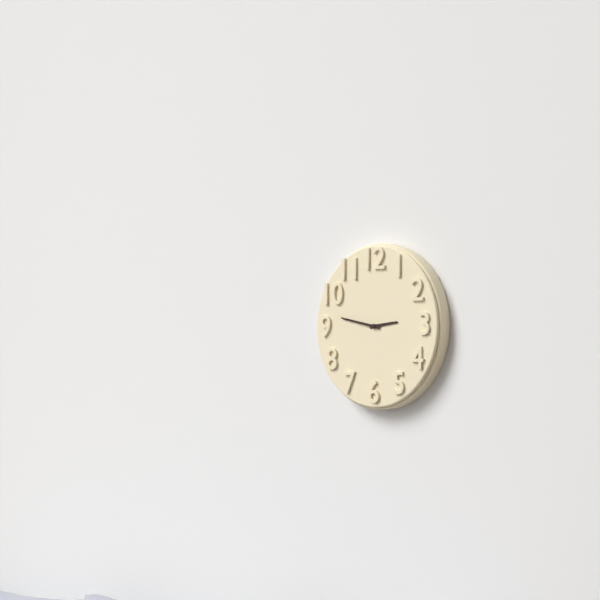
2:47
